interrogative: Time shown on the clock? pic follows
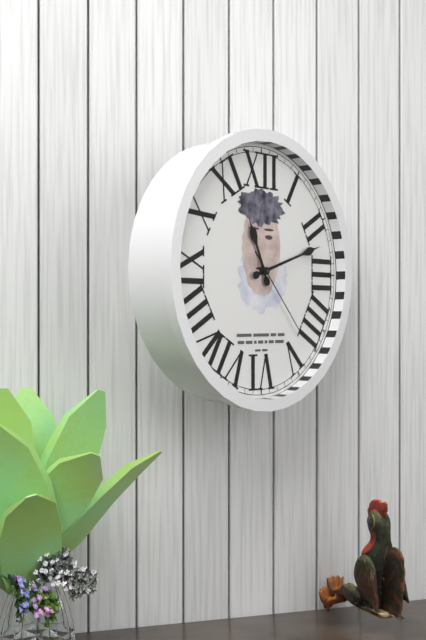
11:12:23
